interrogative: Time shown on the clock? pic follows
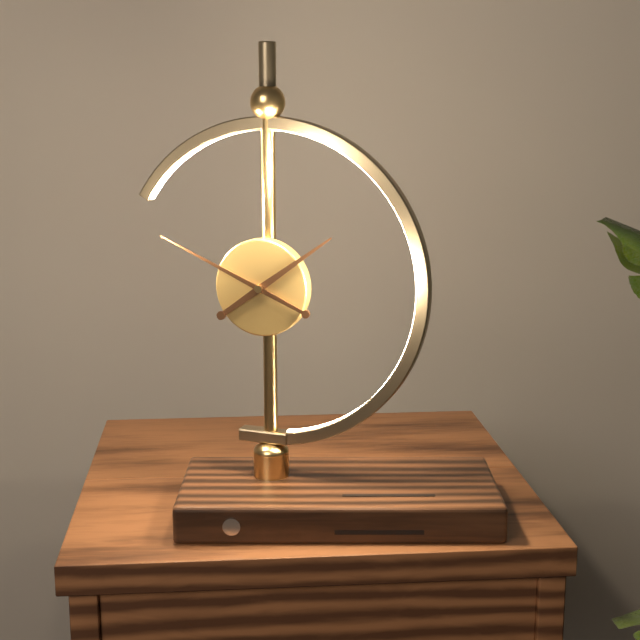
1:49
